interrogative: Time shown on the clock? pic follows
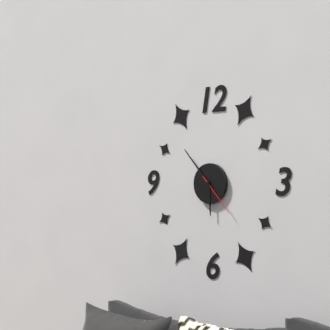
5:53
